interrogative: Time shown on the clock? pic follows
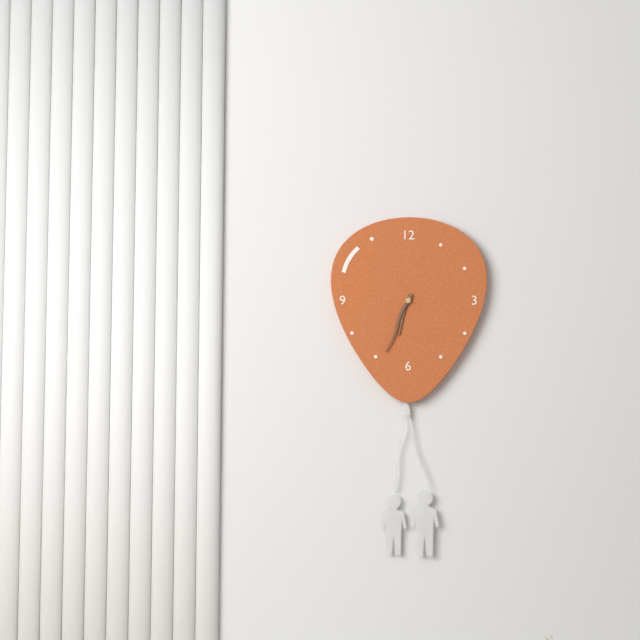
6:34
